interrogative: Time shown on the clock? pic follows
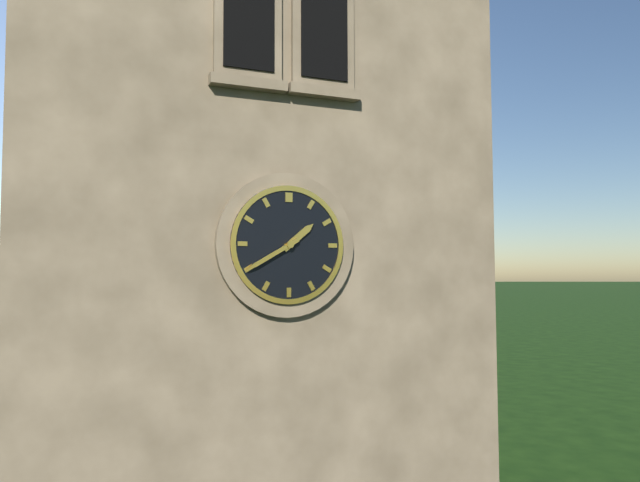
1:40
